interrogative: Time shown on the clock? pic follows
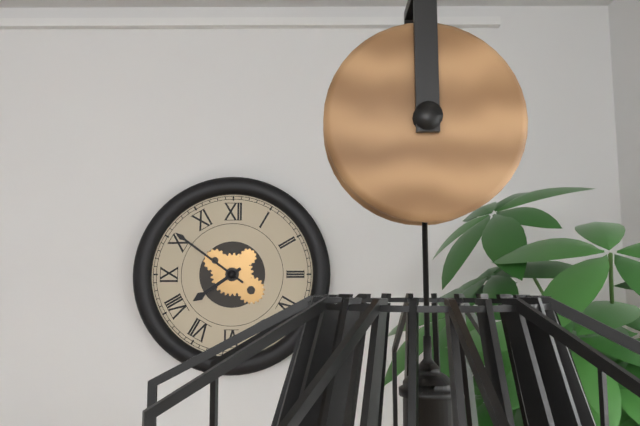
7:51
